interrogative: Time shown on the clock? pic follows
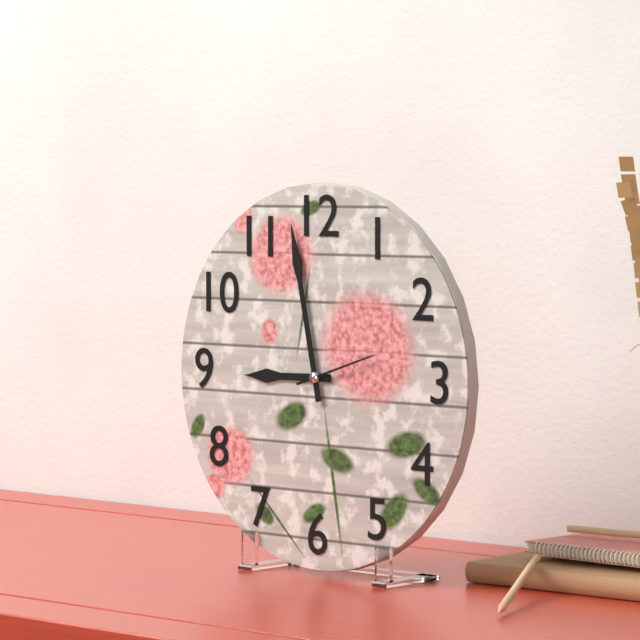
8:58:12
